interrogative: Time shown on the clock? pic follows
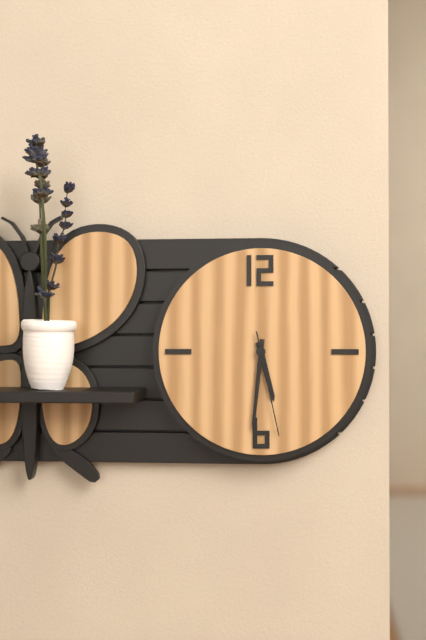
5:31:28
